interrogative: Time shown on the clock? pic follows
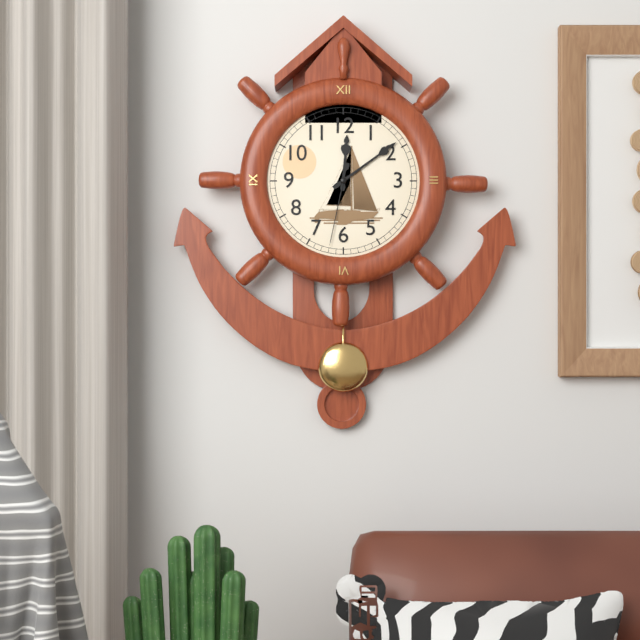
12:09:32
